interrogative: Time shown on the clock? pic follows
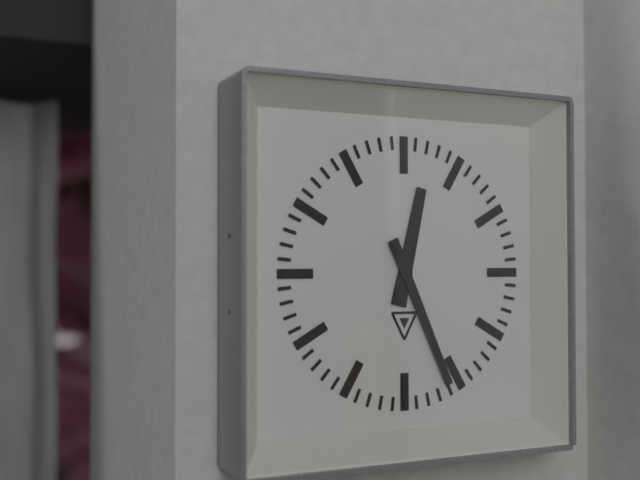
12:26
